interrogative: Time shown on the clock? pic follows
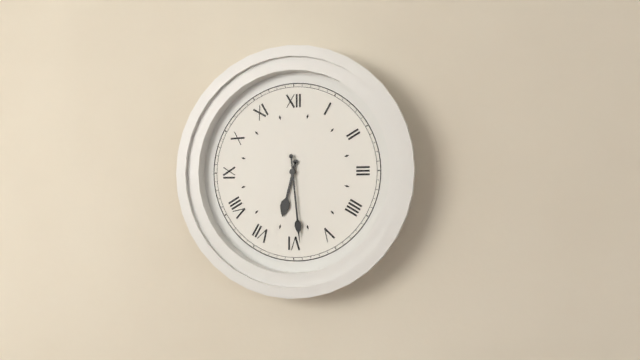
6:29
